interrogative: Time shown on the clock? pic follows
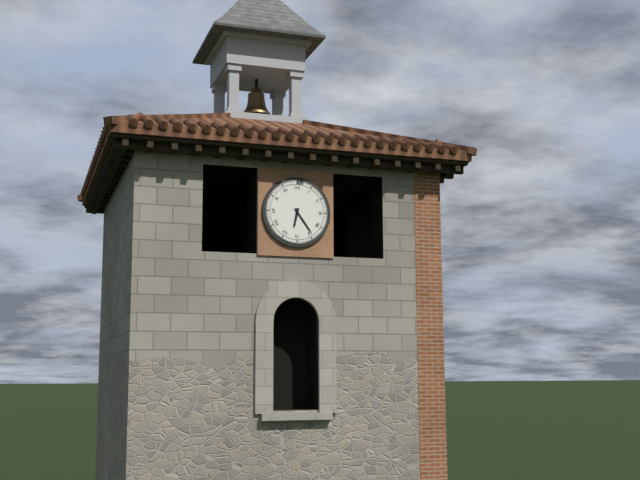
6:24
